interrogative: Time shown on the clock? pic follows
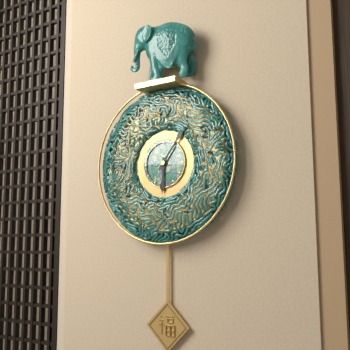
6:06
